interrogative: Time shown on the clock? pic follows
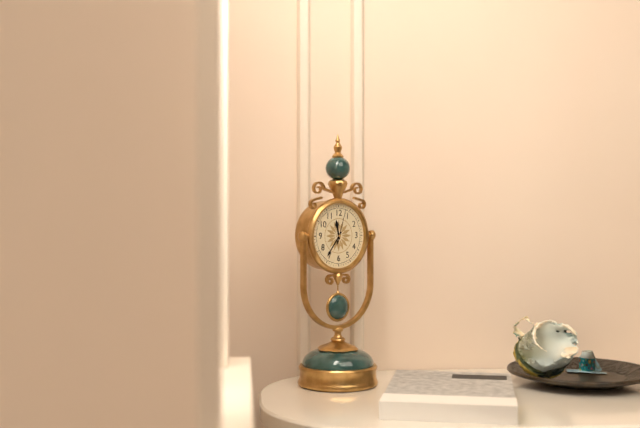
11:36
